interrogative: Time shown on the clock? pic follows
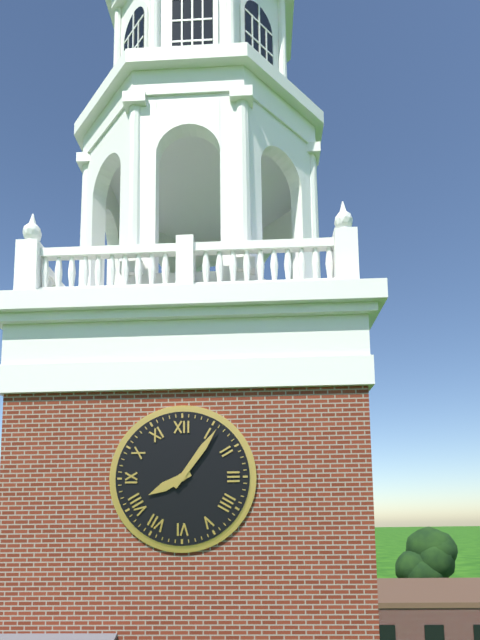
8:06
